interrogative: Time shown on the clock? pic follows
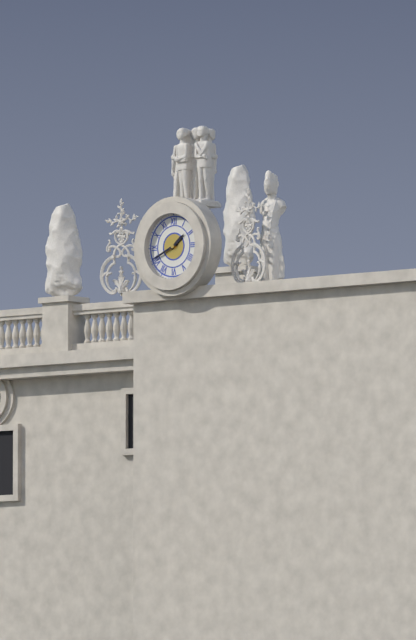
1:41
